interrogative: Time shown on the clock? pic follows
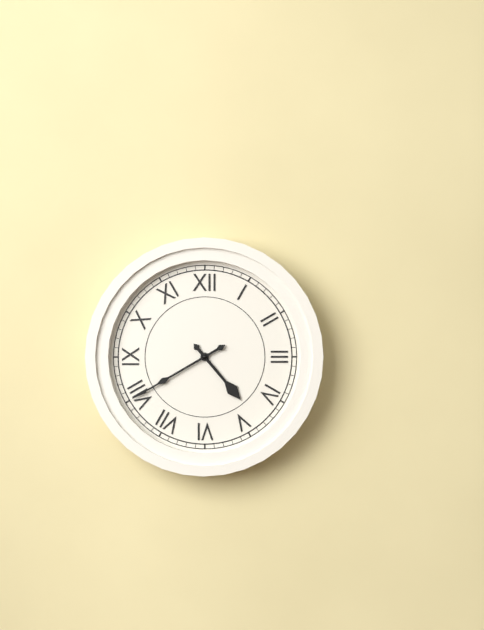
4:40
